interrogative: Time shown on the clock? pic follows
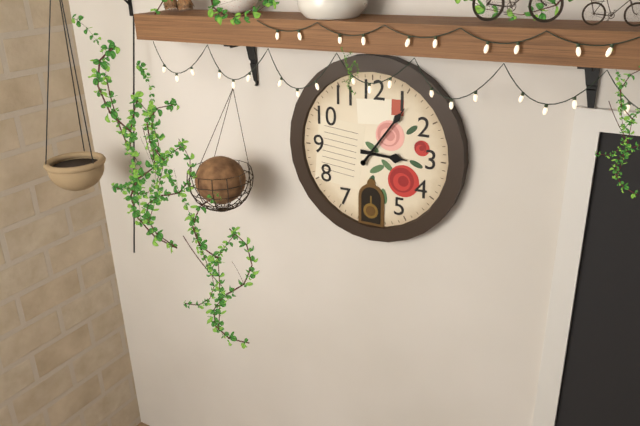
3:06
